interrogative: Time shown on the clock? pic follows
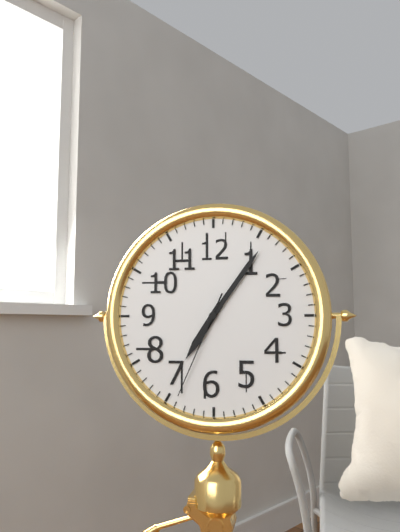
7:06:34
